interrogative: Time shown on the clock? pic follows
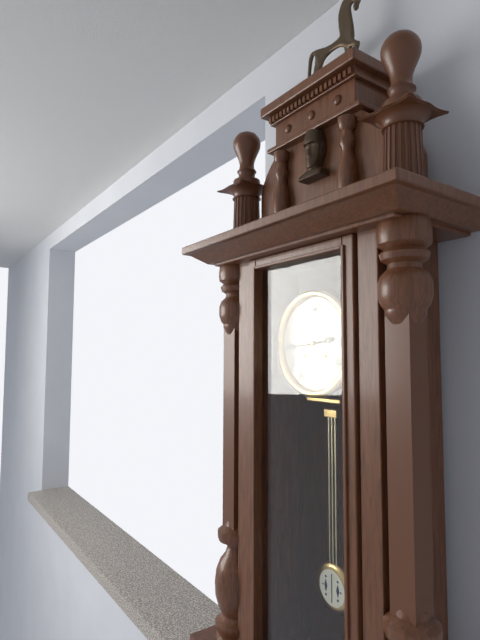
2:44
